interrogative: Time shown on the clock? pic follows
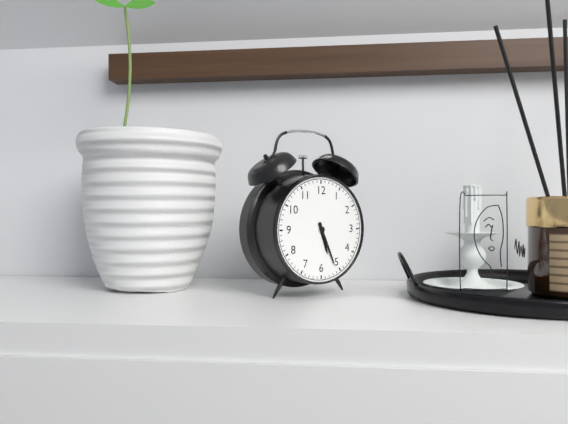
5:26
